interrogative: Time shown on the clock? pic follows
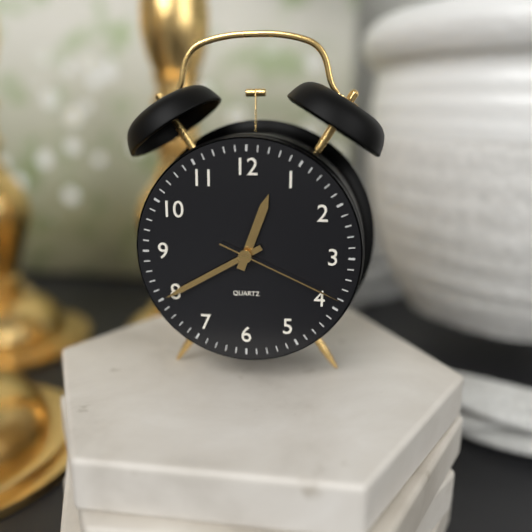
12:40:19
